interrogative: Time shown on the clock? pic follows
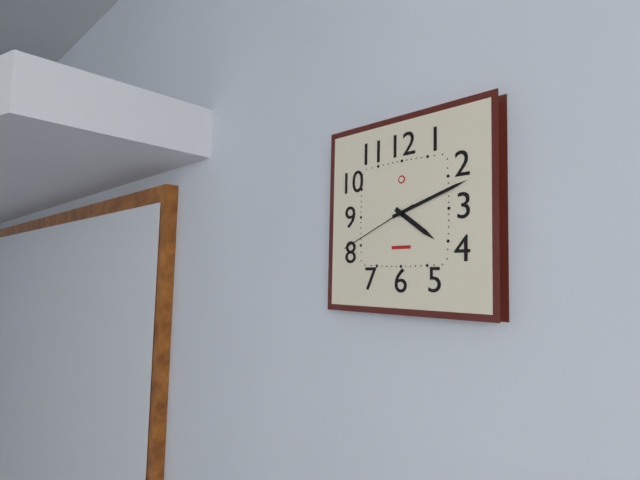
4:12:41
